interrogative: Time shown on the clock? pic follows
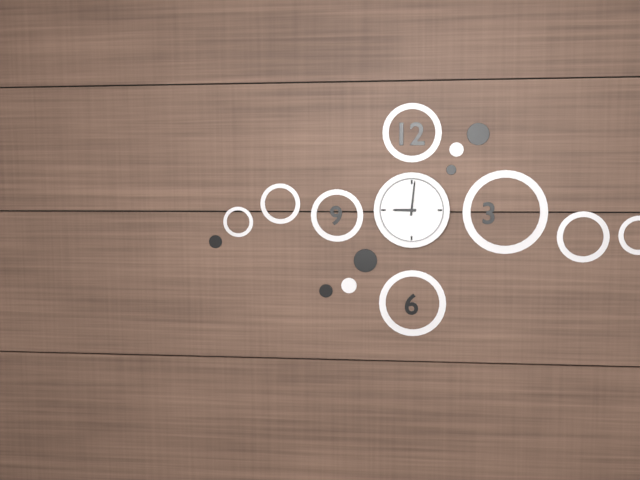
9:01
